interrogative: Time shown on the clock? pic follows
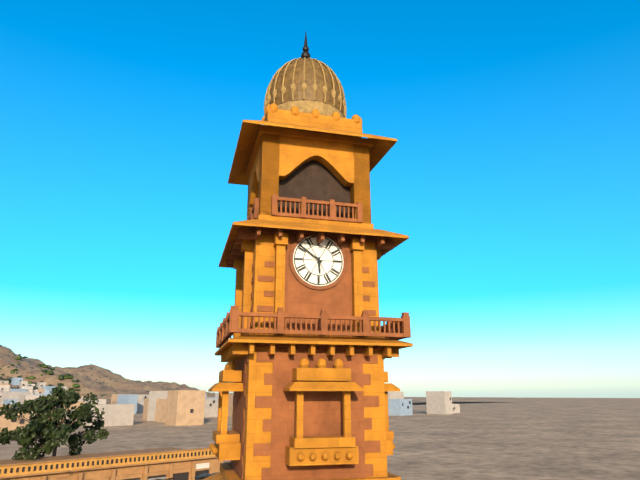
5:51
